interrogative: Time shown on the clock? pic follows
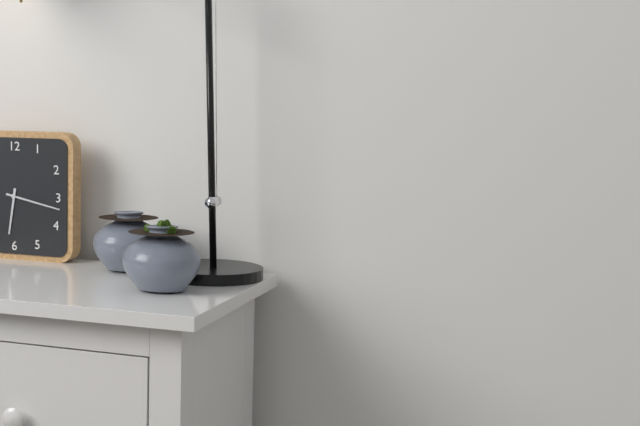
6:17
